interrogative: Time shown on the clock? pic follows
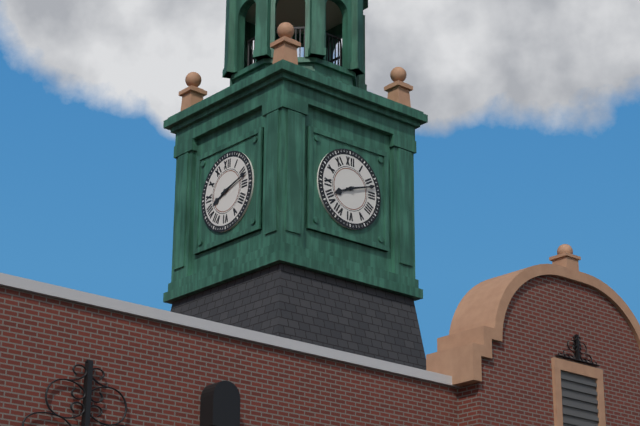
8:12
